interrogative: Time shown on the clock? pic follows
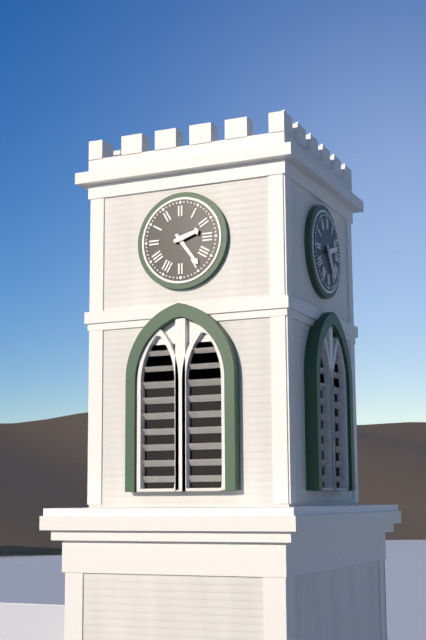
2:24
